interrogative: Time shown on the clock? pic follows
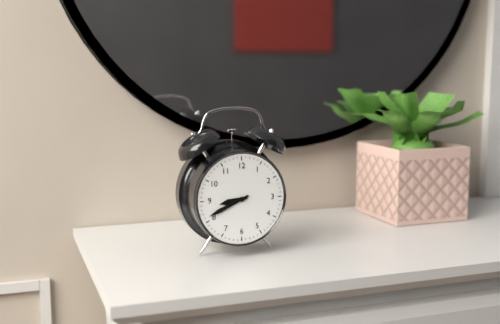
8:41
